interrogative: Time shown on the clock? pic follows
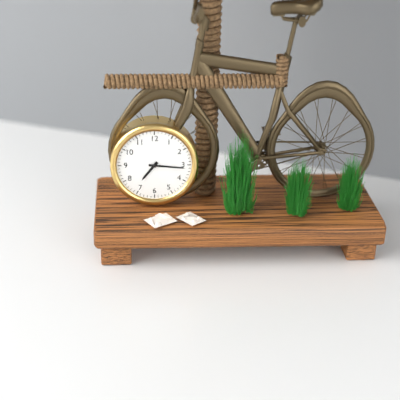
7:16
